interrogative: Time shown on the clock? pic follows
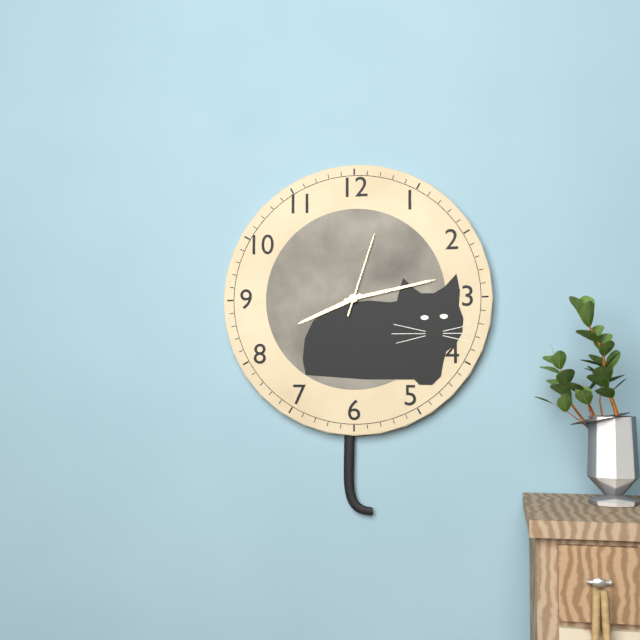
8:13:03
